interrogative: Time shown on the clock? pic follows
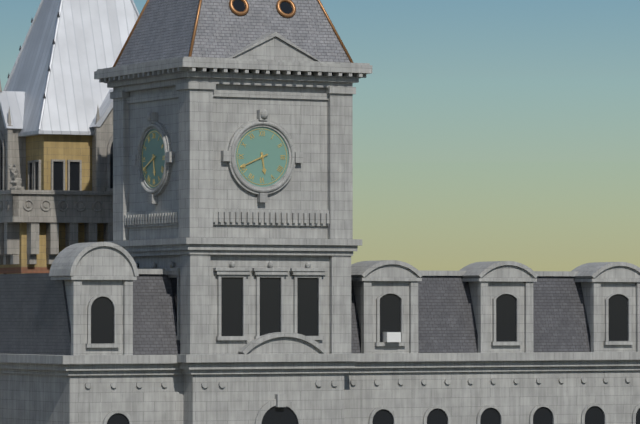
5:41
